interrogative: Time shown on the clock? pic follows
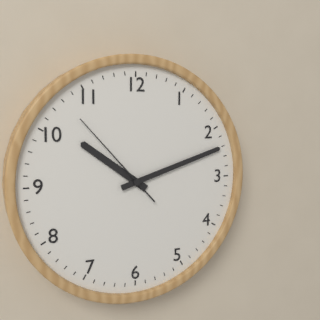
10:12:53
